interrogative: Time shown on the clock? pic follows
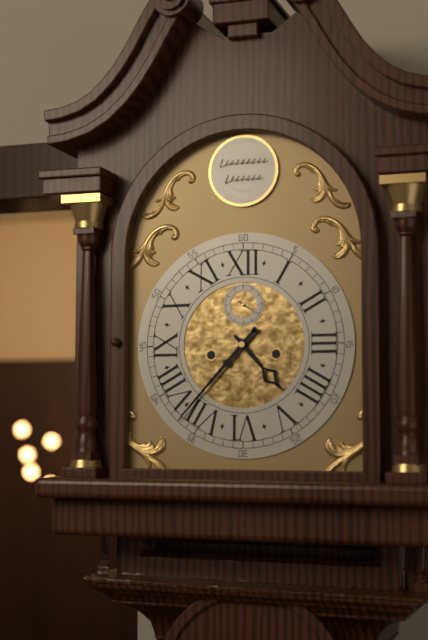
4:37
